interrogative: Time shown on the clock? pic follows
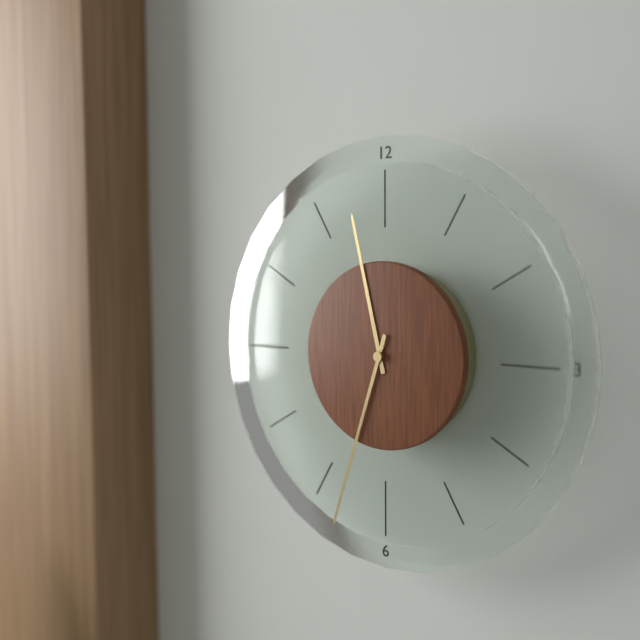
11:33
